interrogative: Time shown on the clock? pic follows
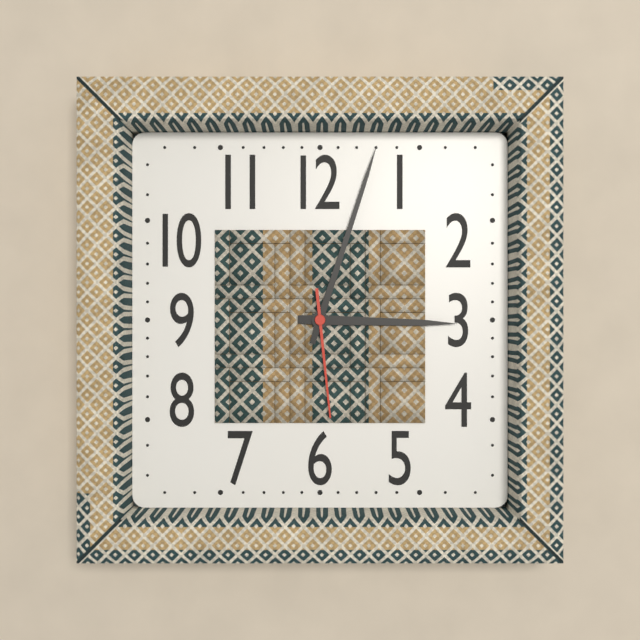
3:03:29
